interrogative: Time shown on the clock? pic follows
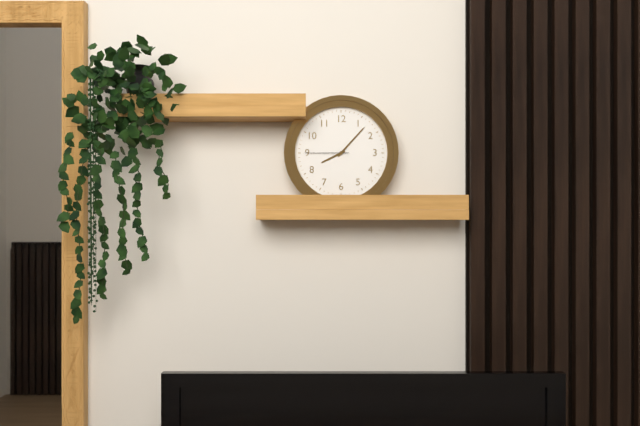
8:07
